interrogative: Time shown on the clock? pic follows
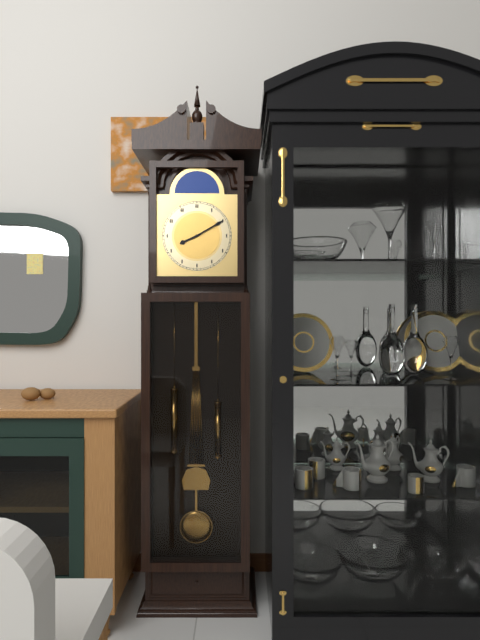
8:10
